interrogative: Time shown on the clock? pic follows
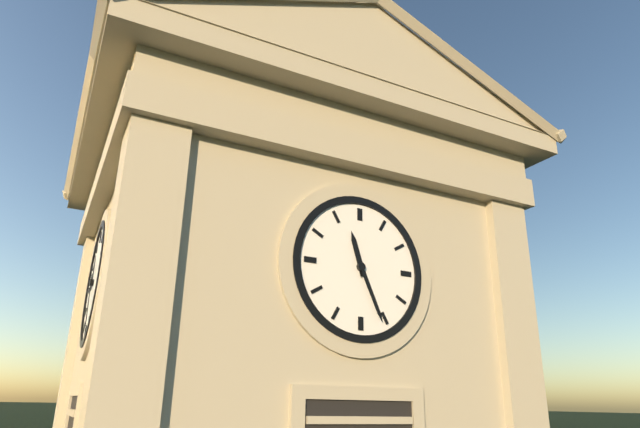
11:26
